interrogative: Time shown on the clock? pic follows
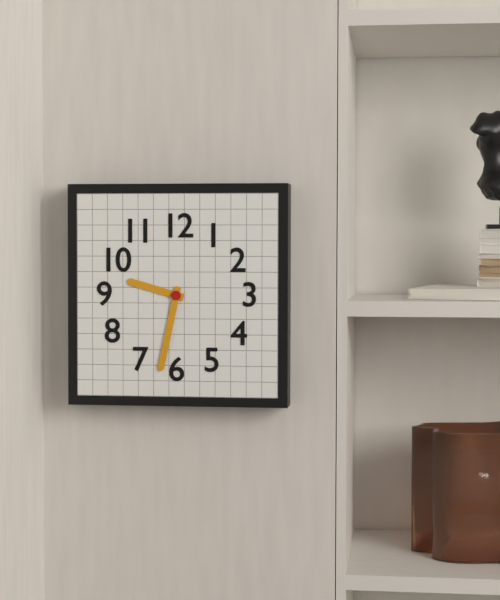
9:32
